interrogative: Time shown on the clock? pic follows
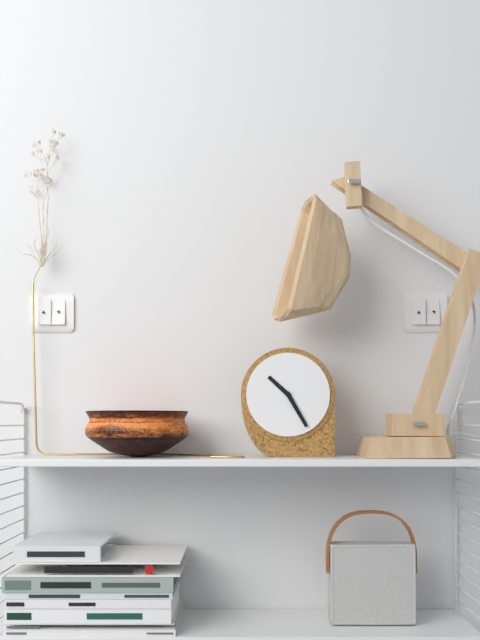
10:25
